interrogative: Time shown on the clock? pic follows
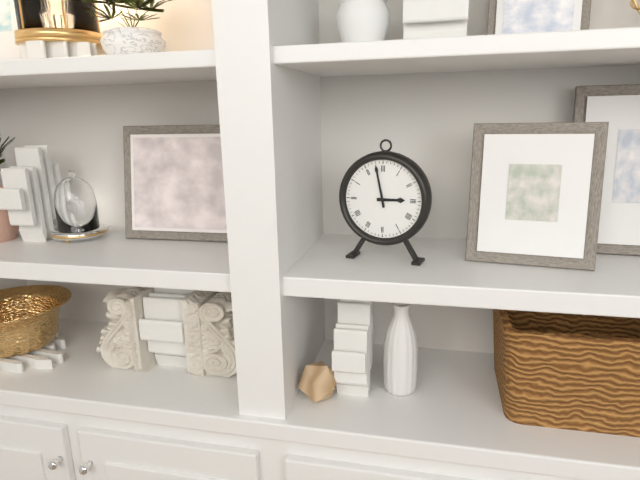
2:58
